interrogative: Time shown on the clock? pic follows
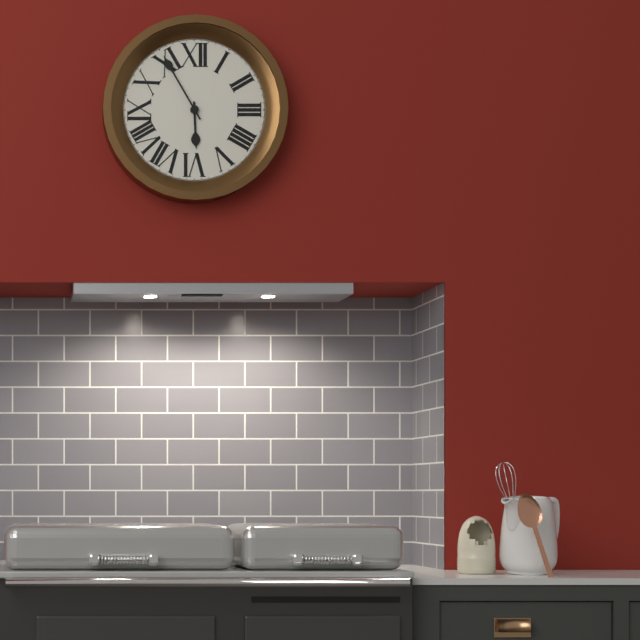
5:55
